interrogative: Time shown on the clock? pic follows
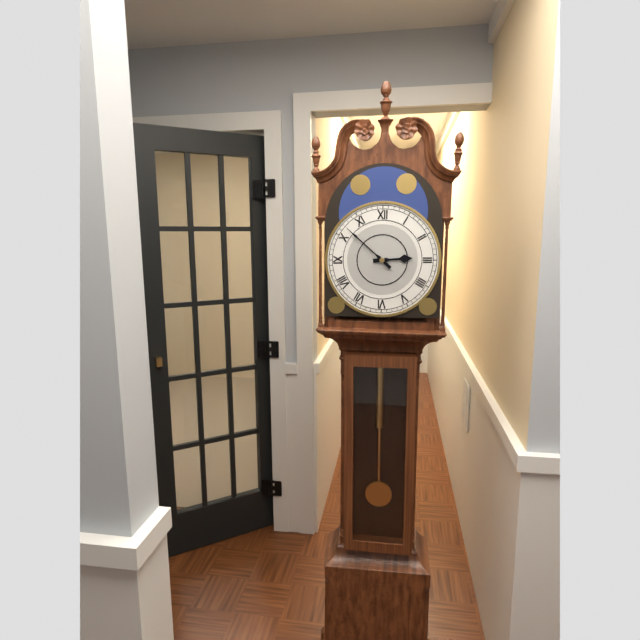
2:52
